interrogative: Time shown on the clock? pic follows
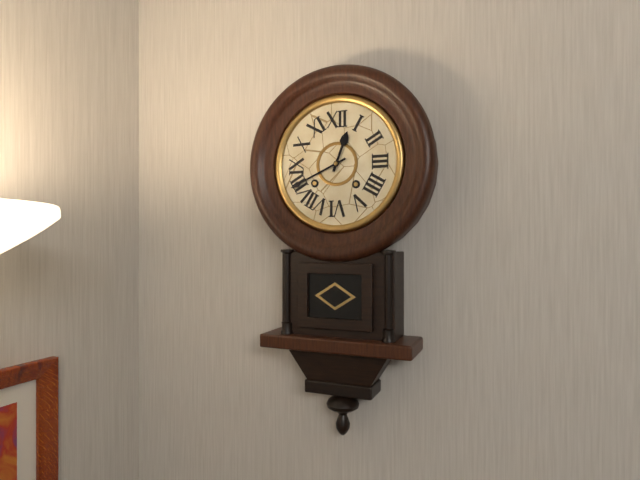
12:41
